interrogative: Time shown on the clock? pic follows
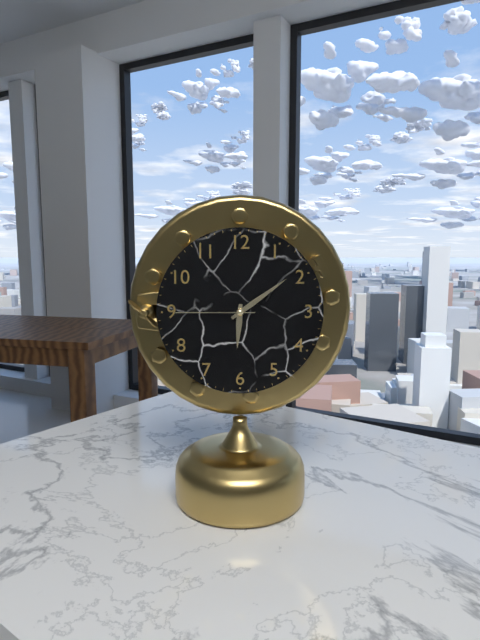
6:09:45
